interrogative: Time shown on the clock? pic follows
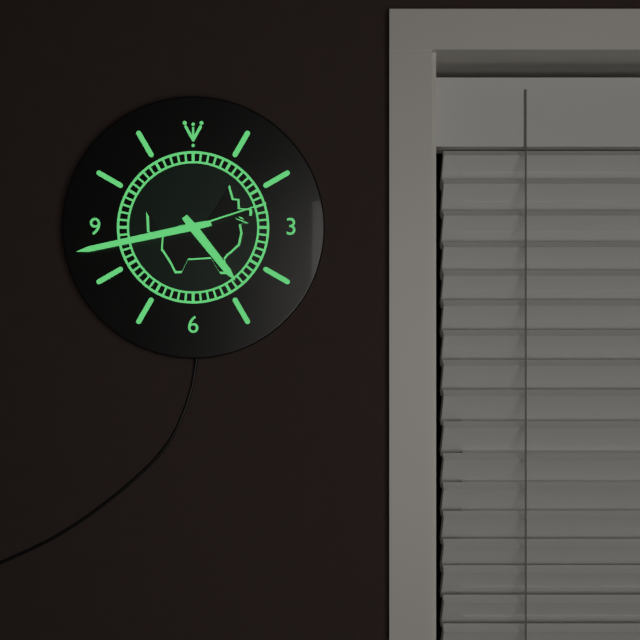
4:43:12
